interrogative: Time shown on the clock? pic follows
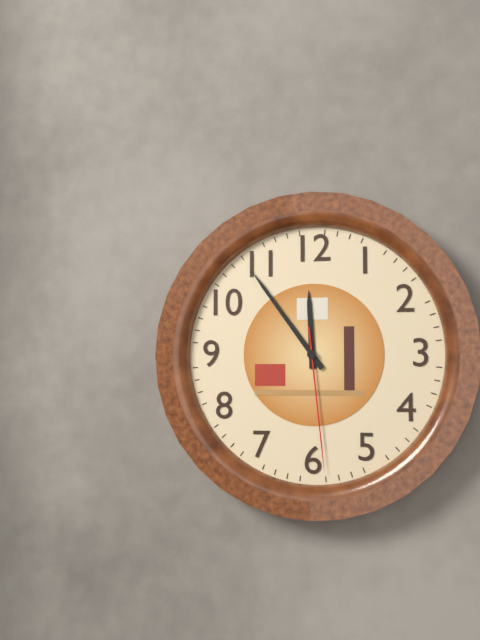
11:54:29
